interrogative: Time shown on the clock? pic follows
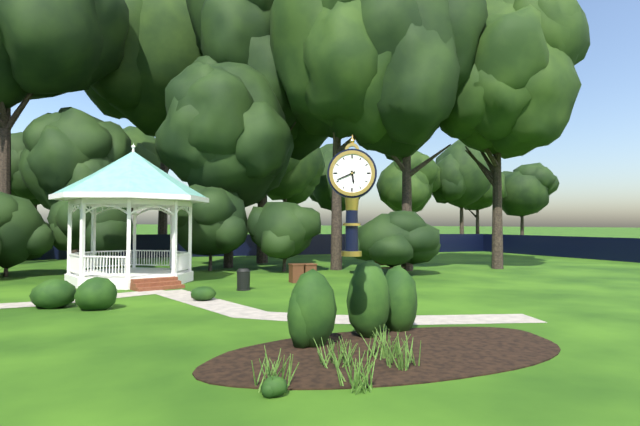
5:41
